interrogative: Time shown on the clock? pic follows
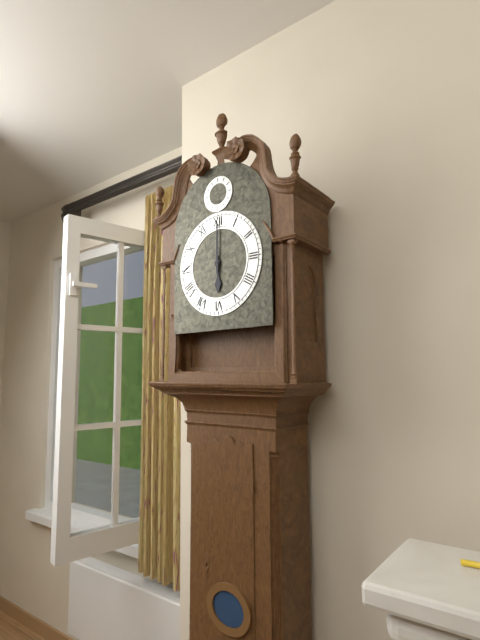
6:00
